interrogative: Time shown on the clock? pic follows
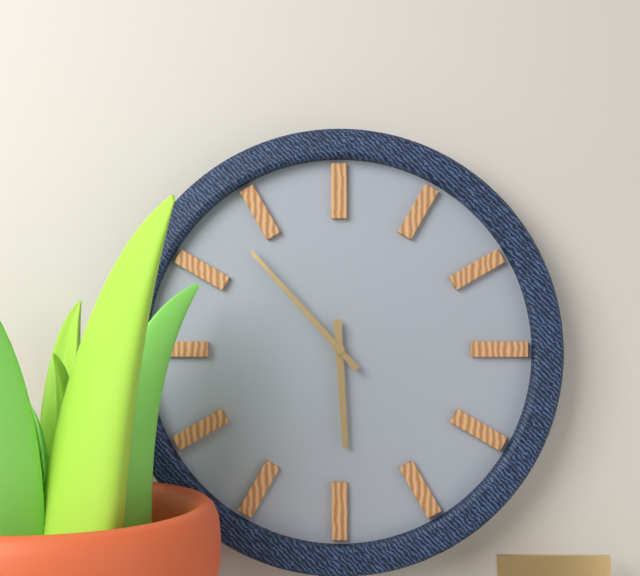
5:53
